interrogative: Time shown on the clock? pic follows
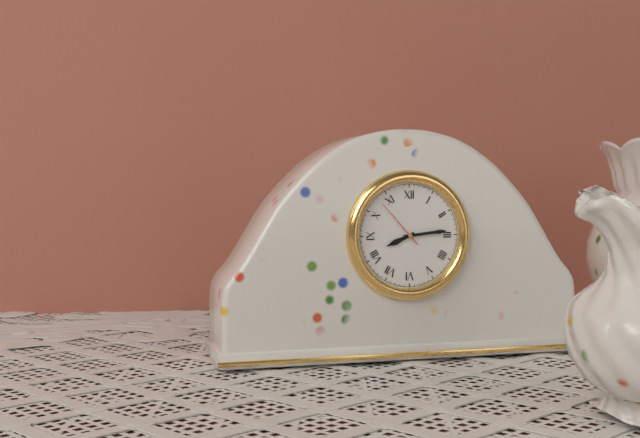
8:14:53
